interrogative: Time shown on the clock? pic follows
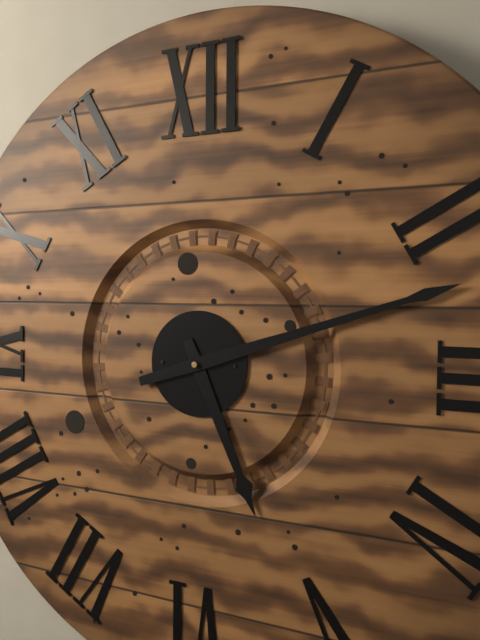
5:12
